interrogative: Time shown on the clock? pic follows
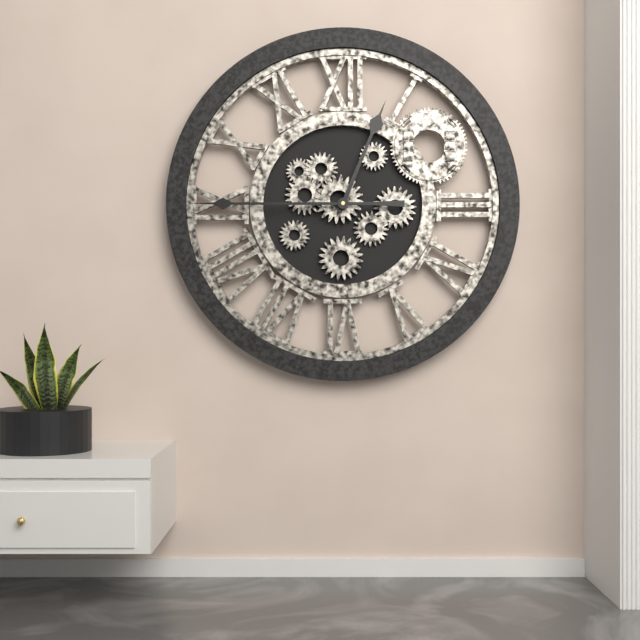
12:45
